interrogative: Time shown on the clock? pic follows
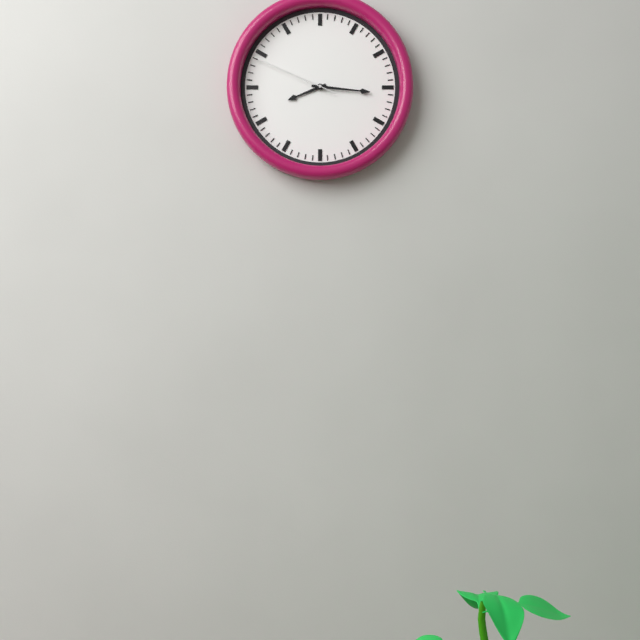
8:16:49
